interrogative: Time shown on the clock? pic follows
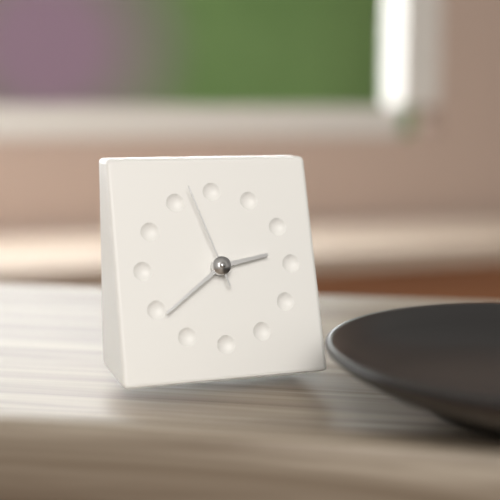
2:39:57
